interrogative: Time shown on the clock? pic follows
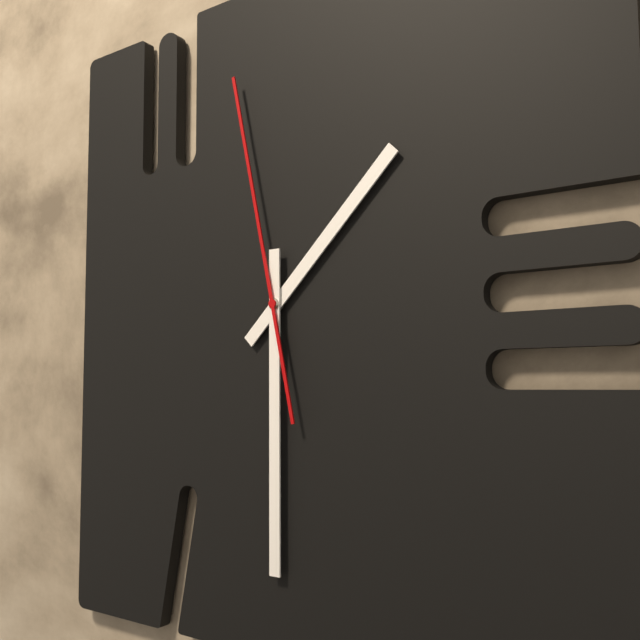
1:30:58
